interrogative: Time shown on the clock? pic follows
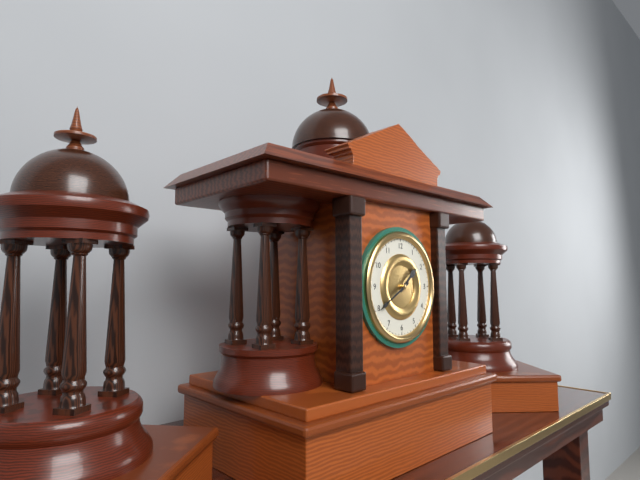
1:40
